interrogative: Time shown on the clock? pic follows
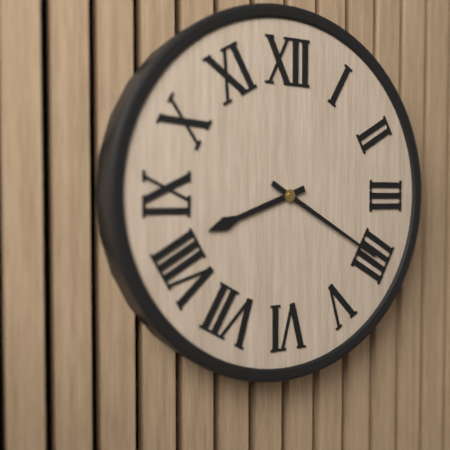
8:20
